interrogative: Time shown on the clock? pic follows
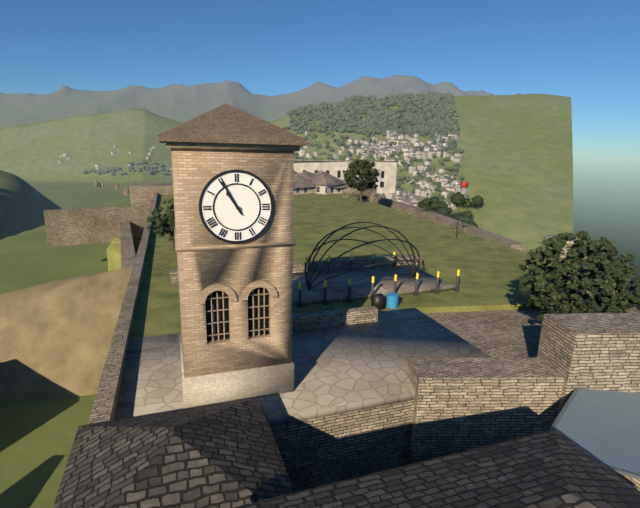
10:55
